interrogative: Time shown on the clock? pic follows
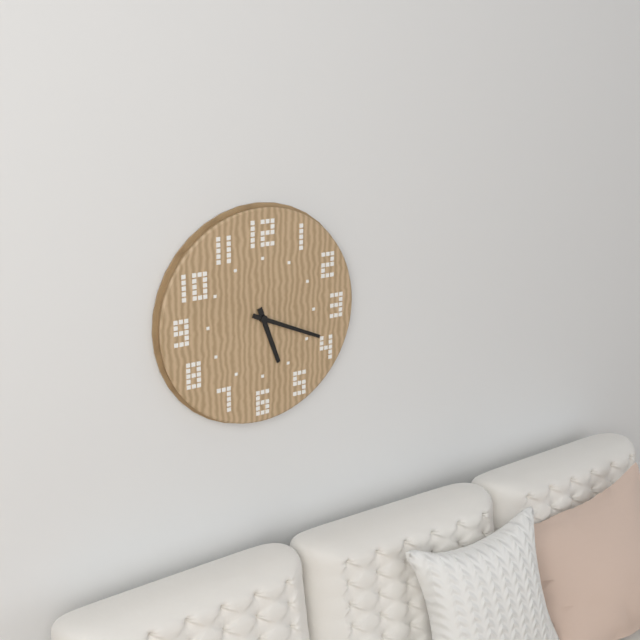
5:19
